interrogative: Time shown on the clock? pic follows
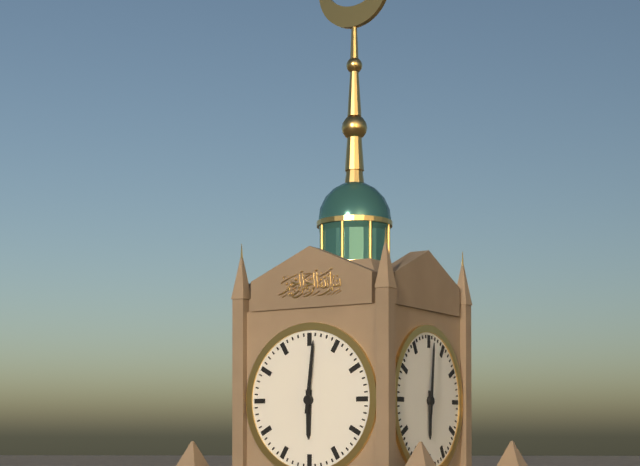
6:01
